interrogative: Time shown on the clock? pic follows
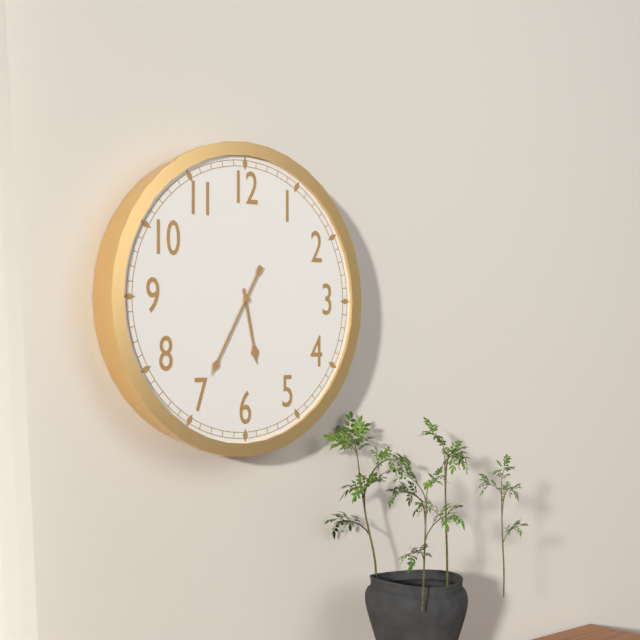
5:35
